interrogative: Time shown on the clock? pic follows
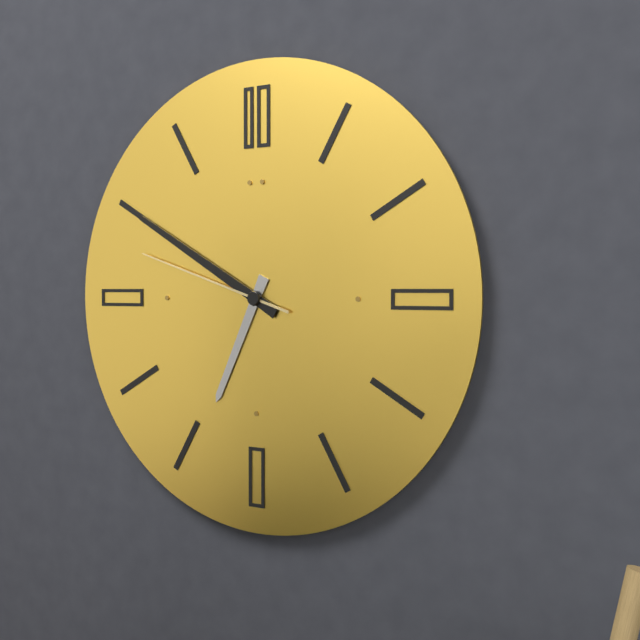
6:50:48
